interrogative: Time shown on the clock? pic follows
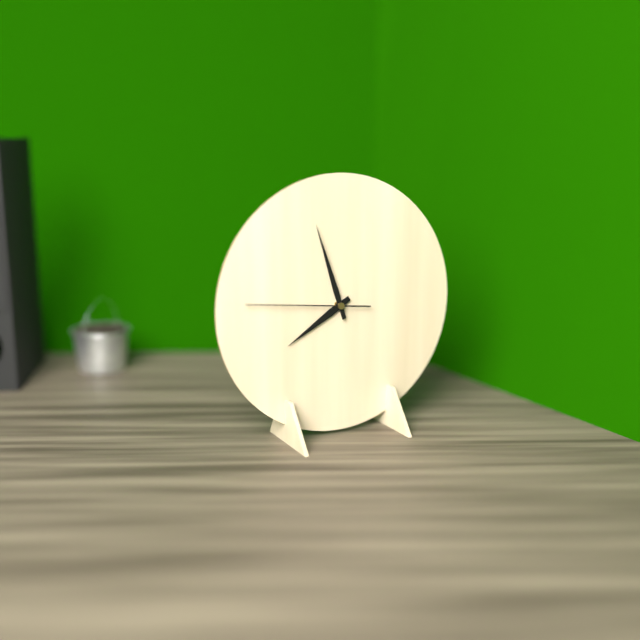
7:57:46
